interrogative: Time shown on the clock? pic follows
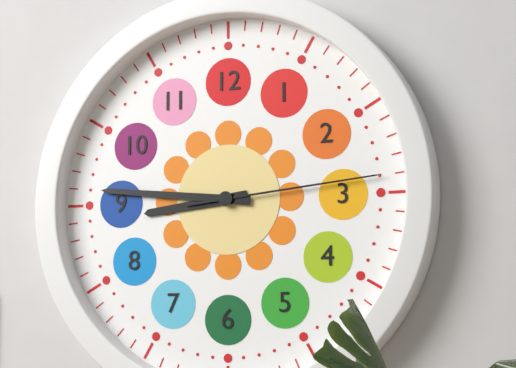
8:46:14
